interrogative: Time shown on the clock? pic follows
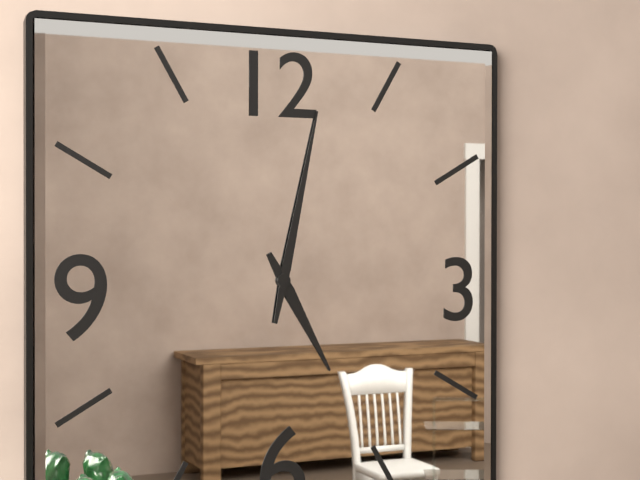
5:02
